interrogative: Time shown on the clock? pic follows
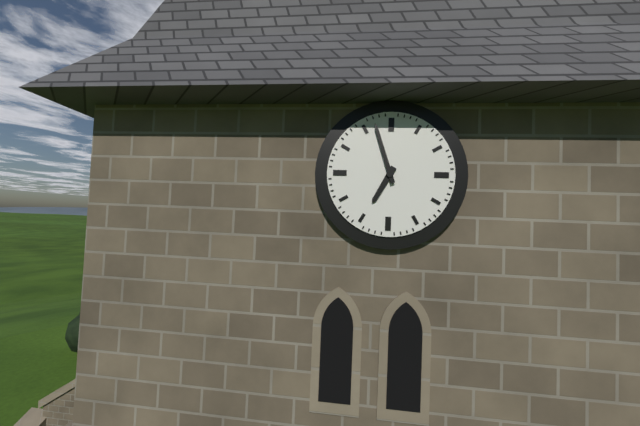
6:57
